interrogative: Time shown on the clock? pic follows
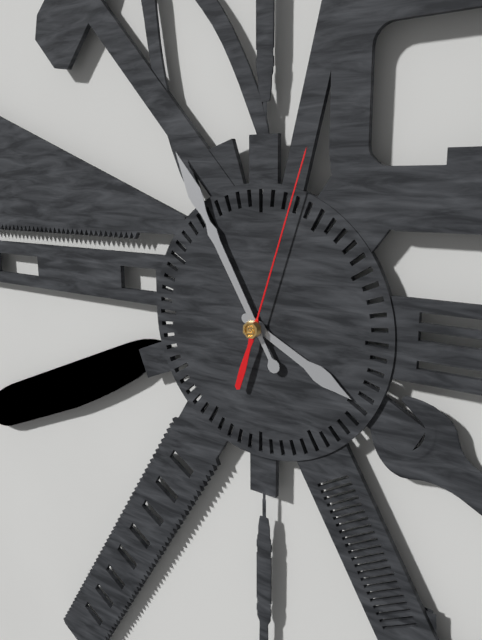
3:55:03
